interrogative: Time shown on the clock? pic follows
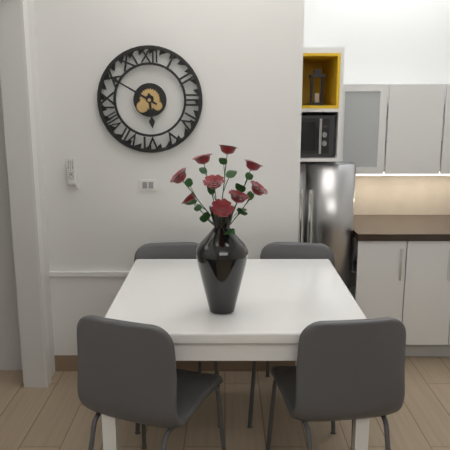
5:50
